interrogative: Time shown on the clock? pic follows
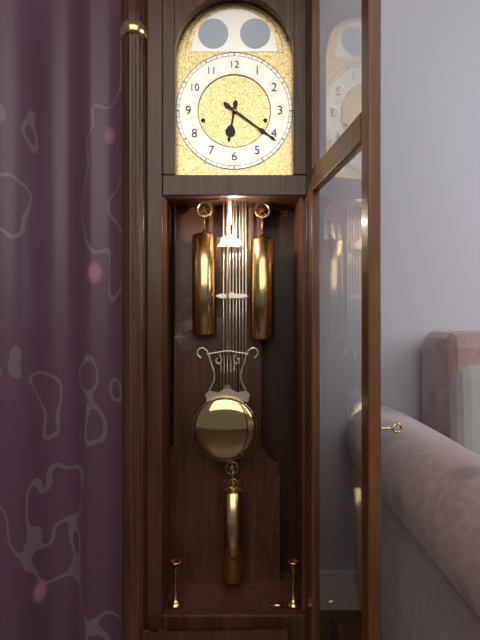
6:21
